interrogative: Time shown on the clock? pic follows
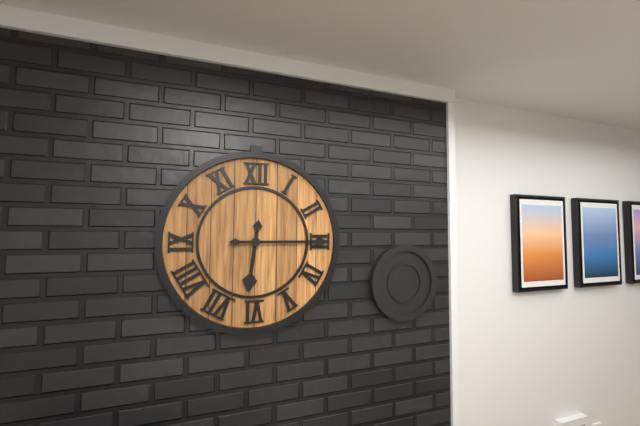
6:15
